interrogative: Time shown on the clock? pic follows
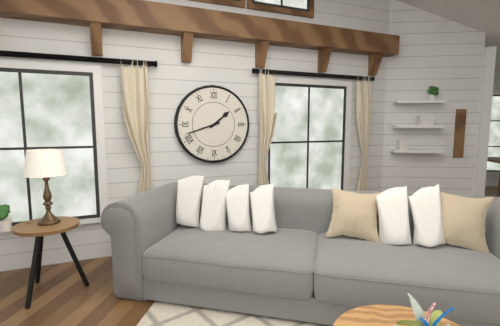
1:42
